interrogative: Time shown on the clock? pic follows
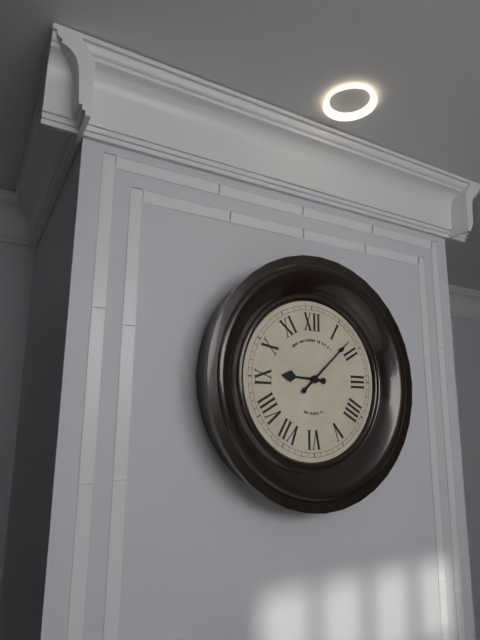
9:08
